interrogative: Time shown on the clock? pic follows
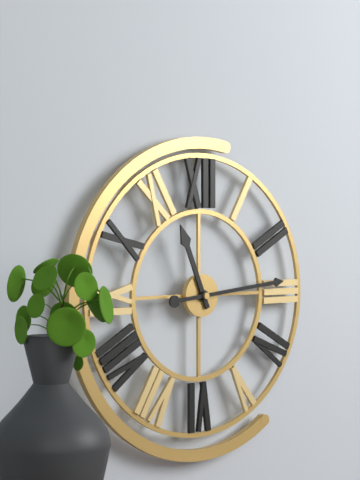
11:14
